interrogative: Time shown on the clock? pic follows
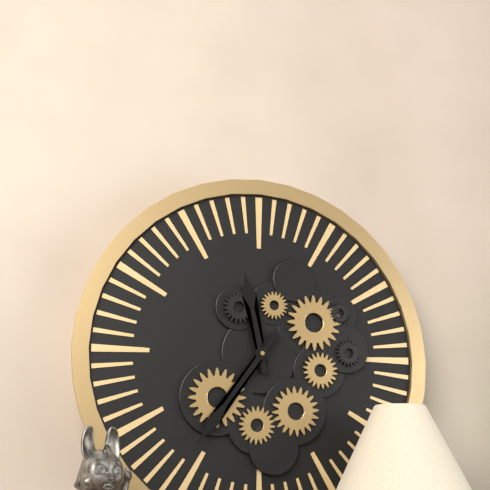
11:36
